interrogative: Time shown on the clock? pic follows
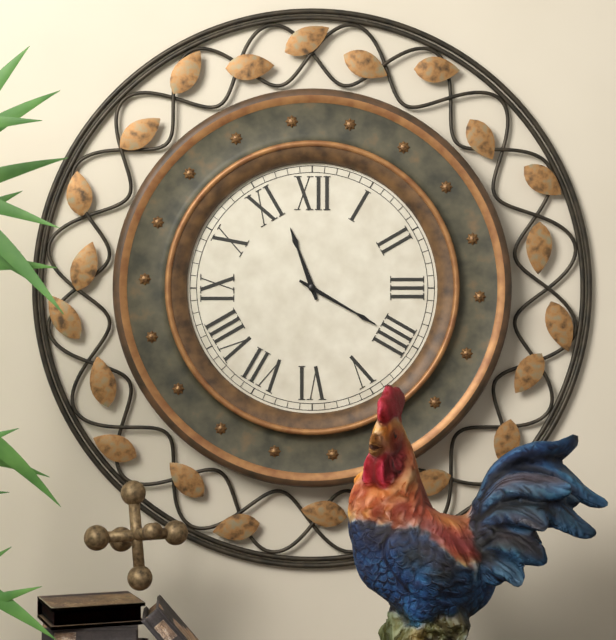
11:20
